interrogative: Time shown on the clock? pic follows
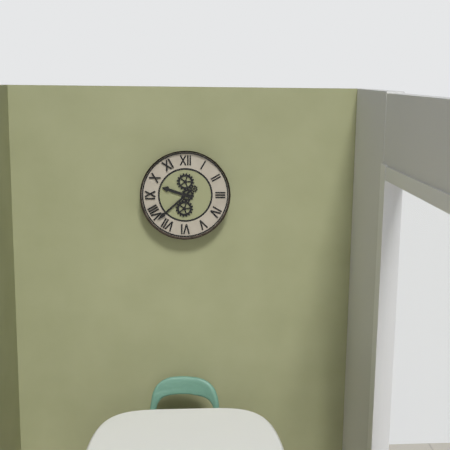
9:38
